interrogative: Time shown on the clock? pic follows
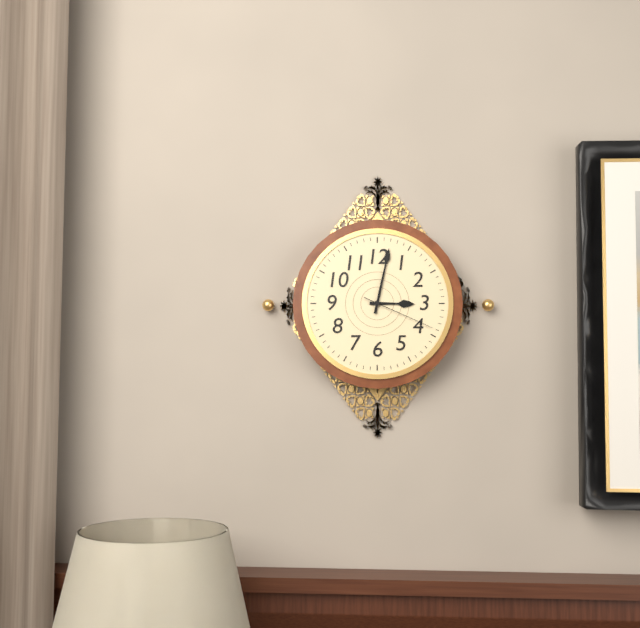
3:02:19
